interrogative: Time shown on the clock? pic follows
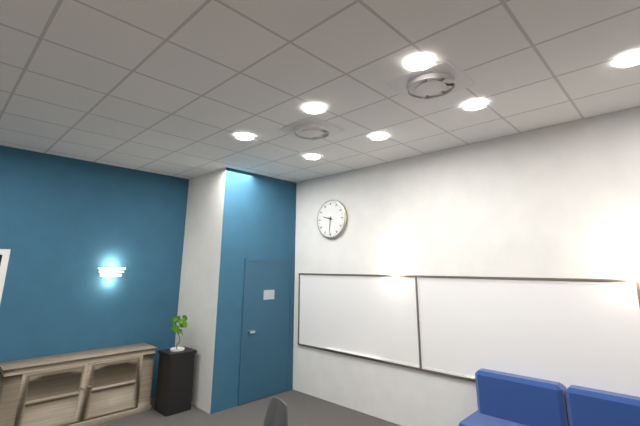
9:31
